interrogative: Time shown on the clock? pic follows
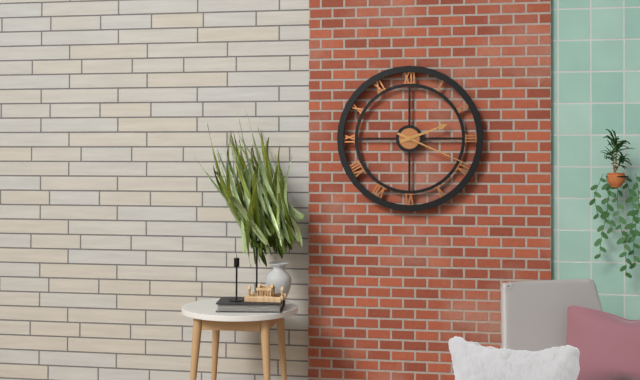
2:19
